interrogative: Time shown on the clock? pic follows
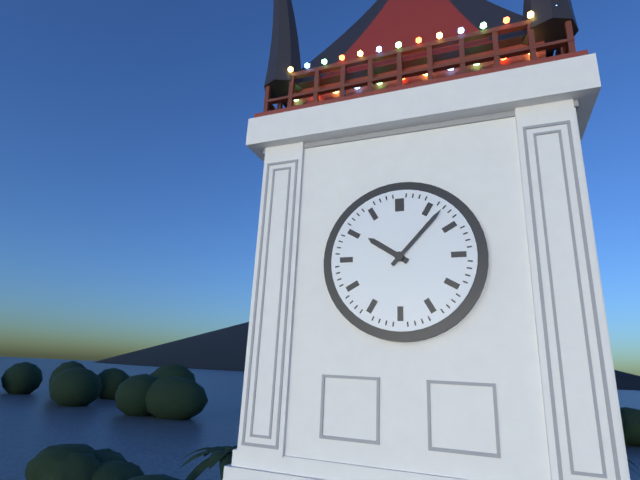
10:07
